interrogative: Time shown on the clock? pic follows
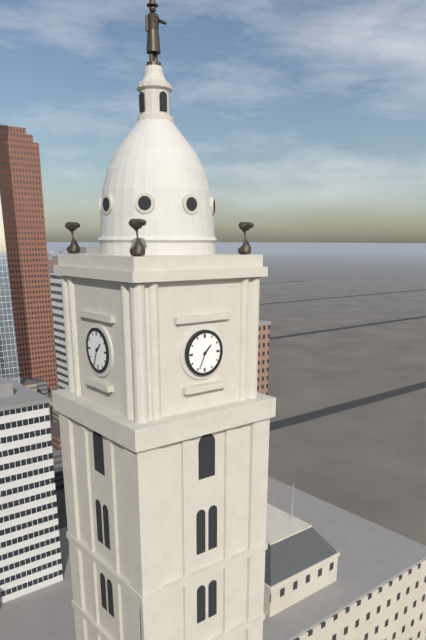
1:34
